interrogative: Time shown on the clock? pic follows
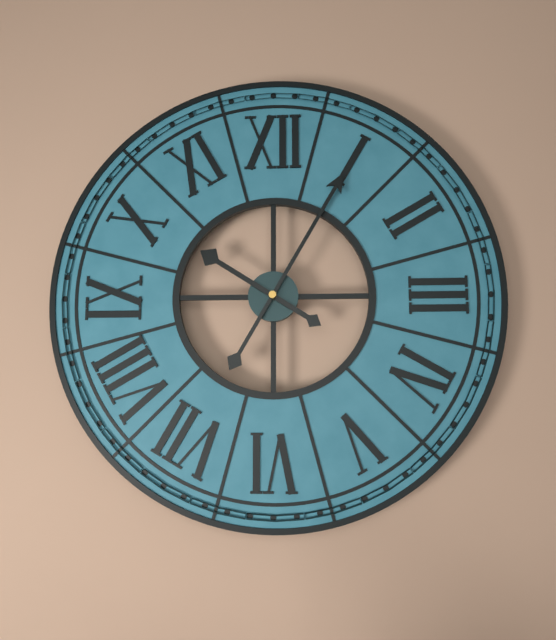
10:05
